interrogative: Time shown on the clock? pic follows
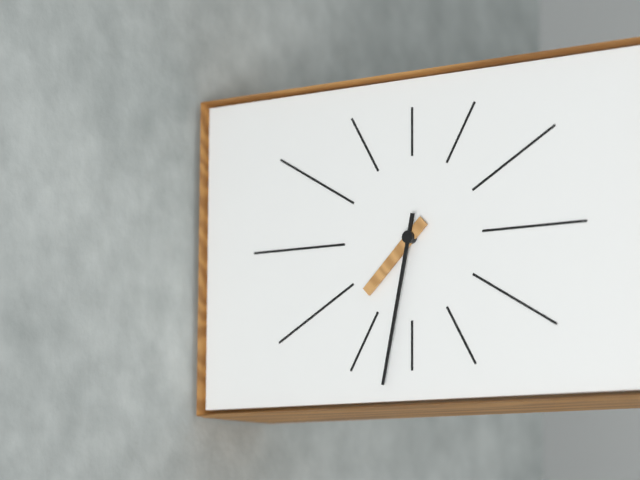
7:32
